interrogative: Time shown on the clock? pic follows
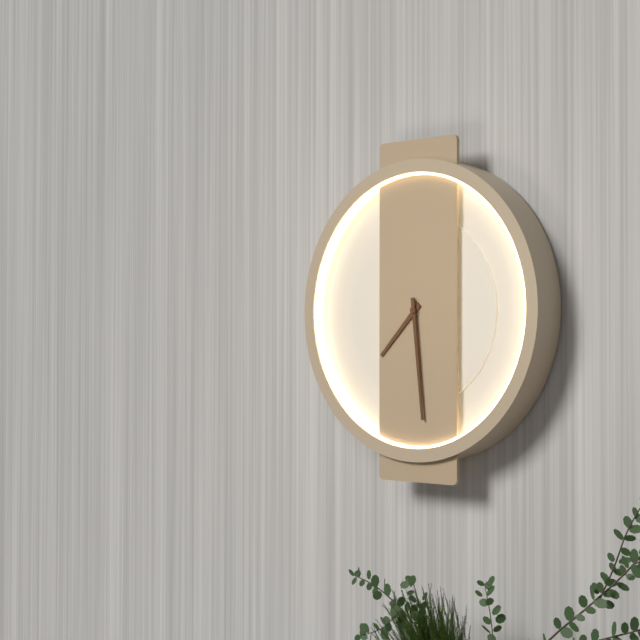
7:29
